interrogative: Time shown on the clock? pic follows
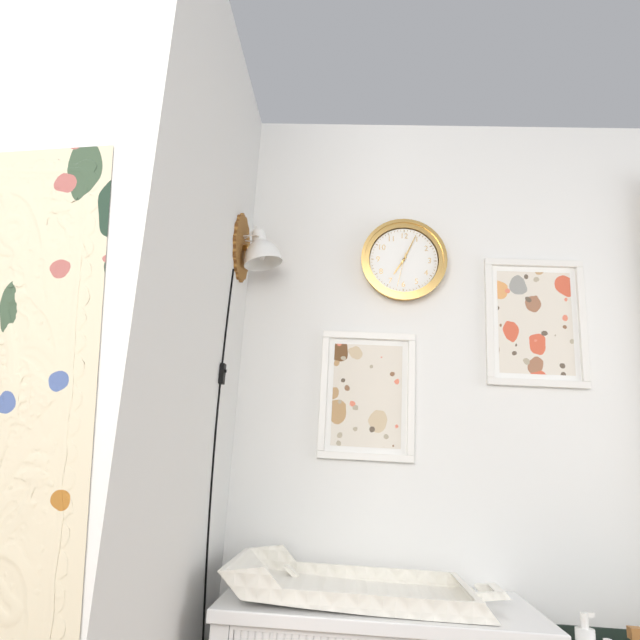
7:04
